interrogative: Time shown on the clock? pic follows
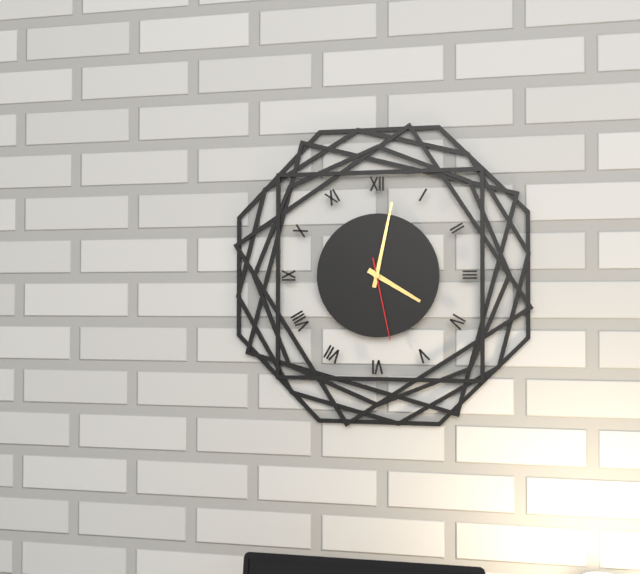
4:02:28
